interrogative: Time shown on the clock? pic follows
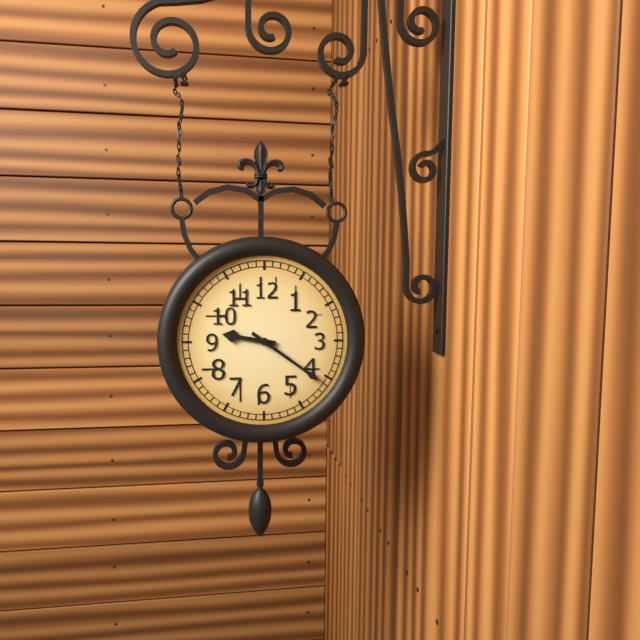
9:21
